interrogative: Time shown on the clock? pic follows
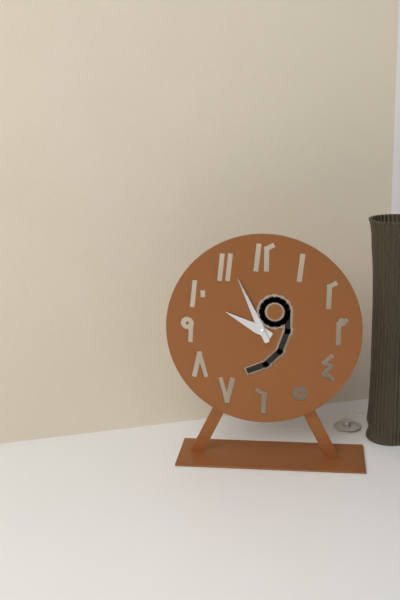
9:56
